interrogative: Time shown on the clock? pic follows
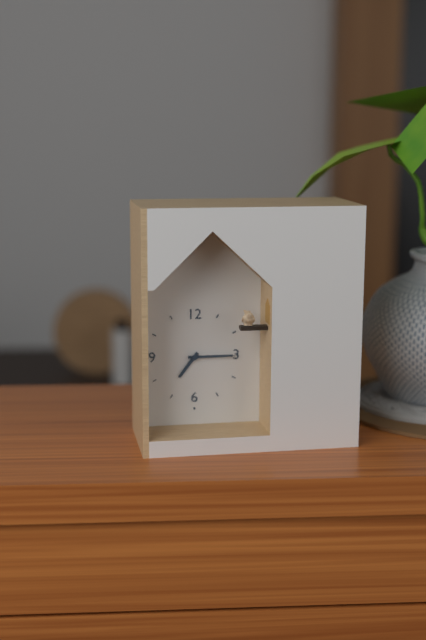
7:15
